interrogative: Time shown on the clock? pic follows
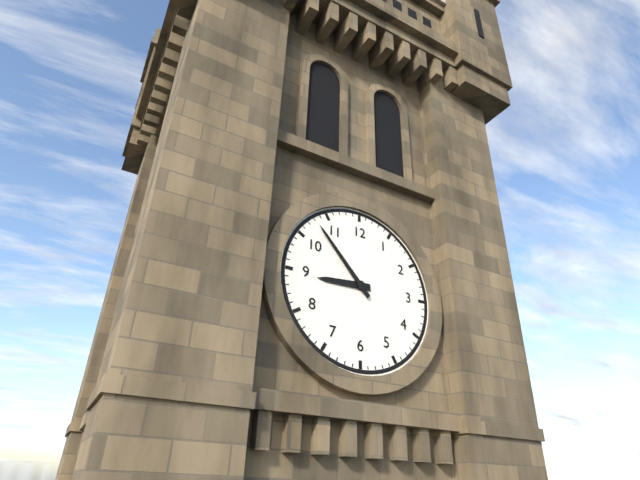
8:53
